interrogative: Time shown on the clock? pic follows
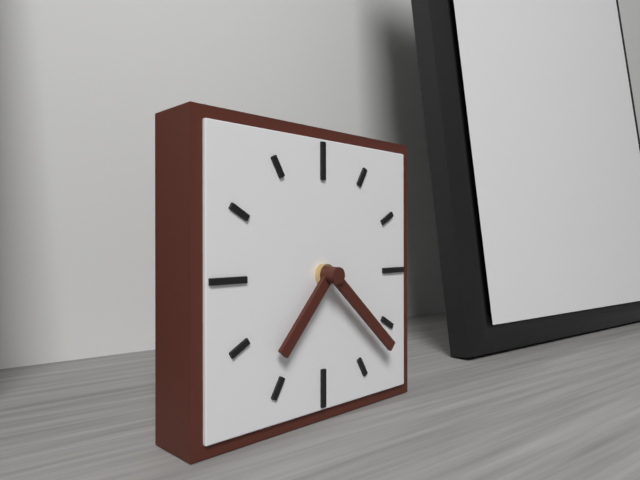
7:22
